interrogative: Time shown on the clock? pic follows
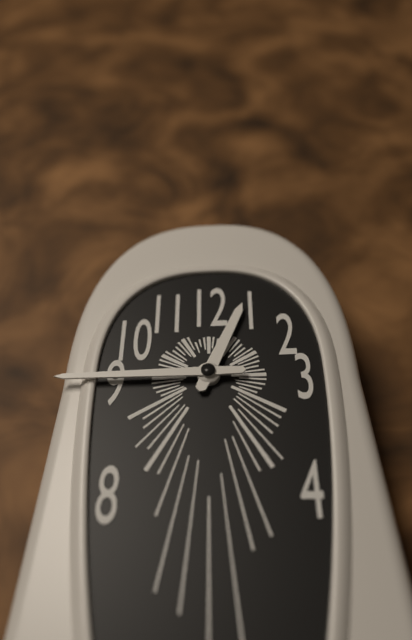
12:45
